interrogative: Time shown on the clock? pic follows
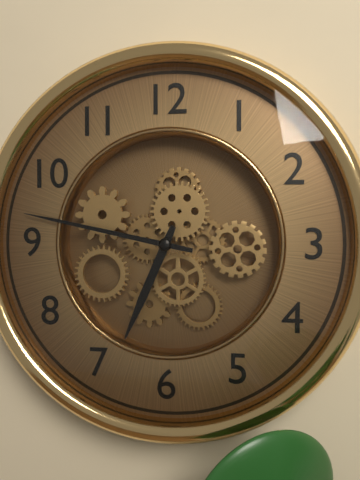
6:47
